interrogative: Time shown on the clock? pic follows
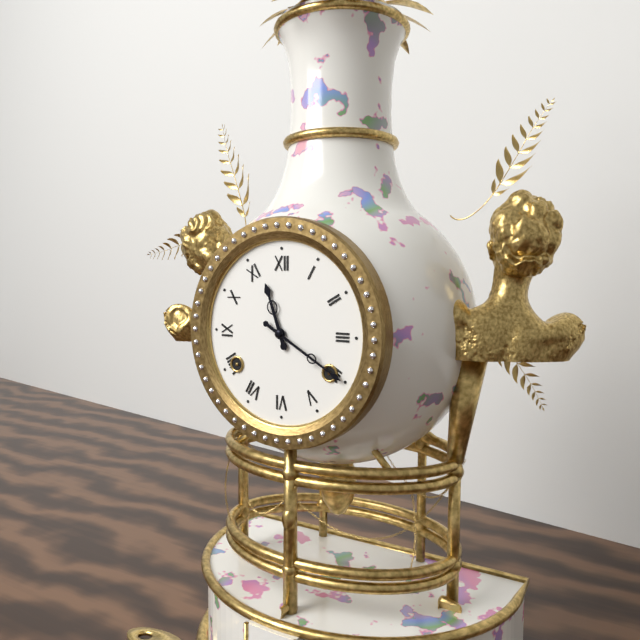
11:20
